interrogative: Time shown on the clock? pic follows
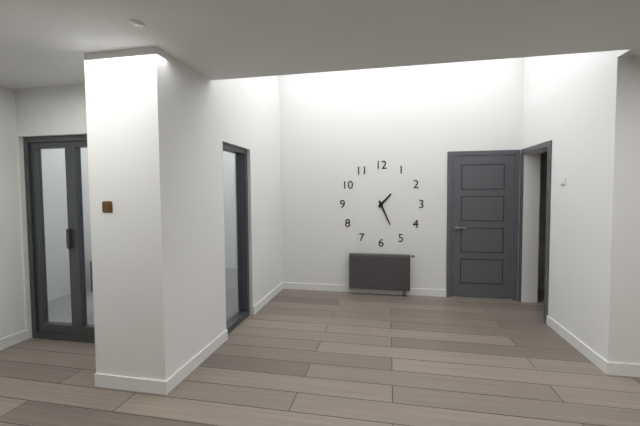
1:26
